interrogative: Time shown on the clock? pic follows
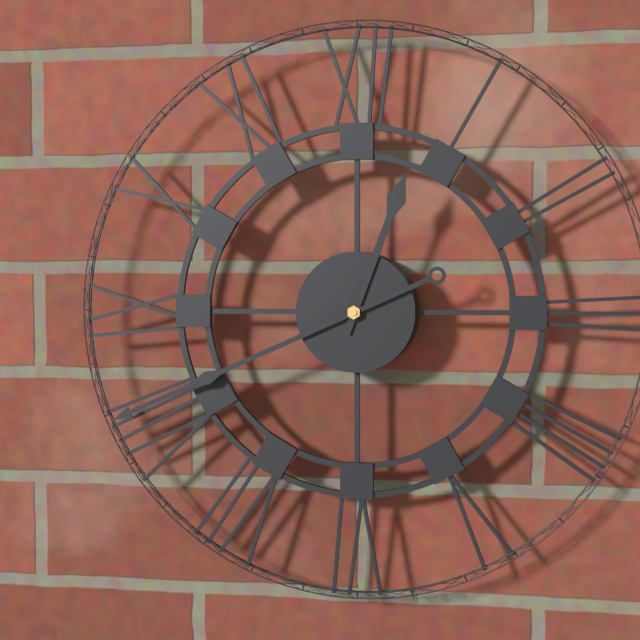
12:41
